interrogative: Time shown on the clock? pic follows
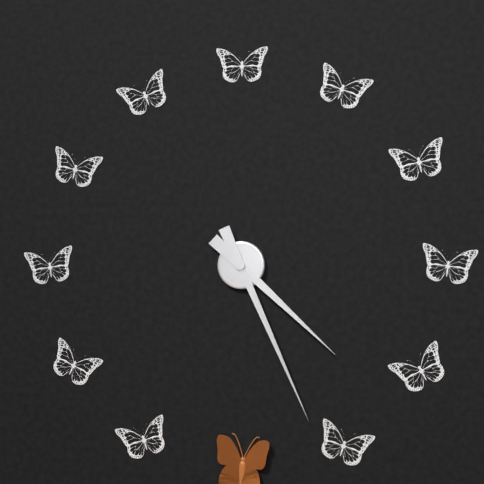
4:26
